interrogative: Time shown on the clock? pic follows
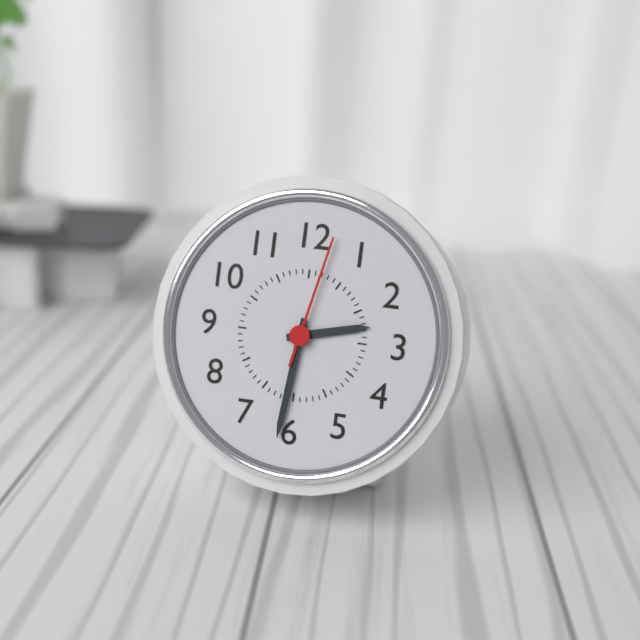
2:31:02
